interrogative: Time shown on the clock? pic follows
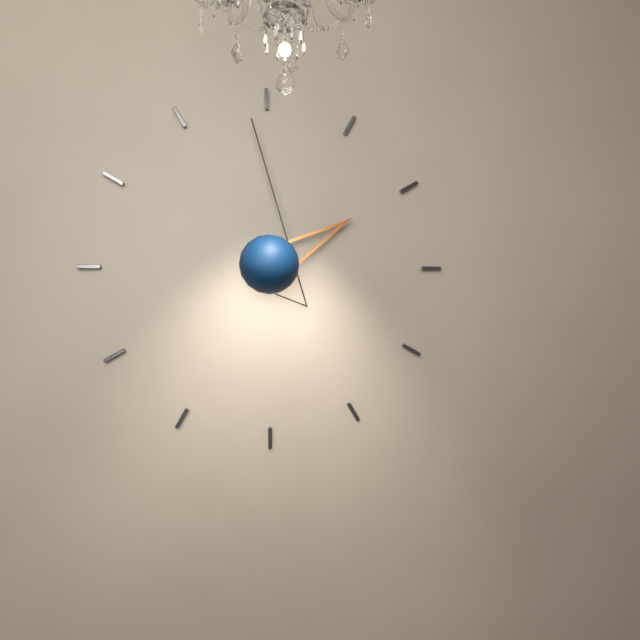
1:59
